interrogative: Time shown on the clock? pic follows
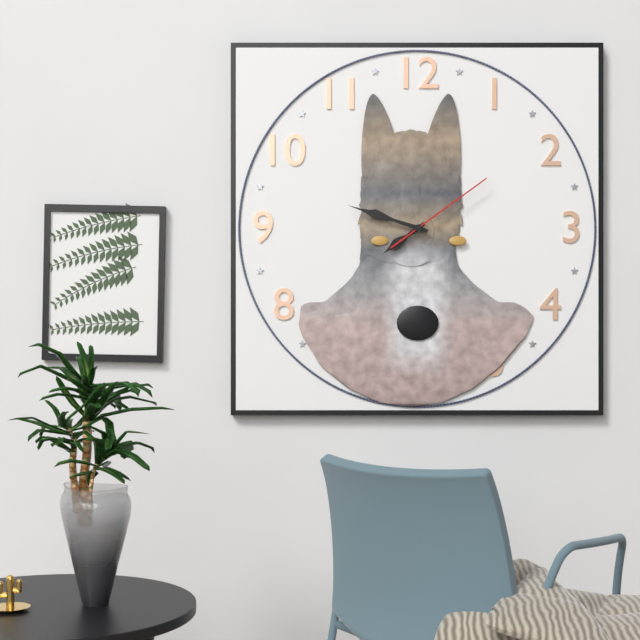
7:48:09
